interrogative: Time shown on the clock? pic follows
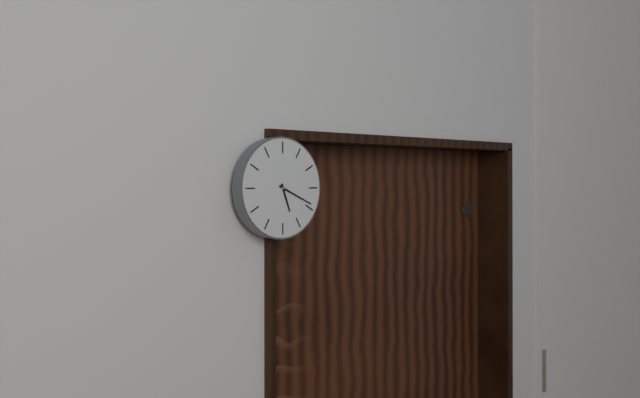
5:19
